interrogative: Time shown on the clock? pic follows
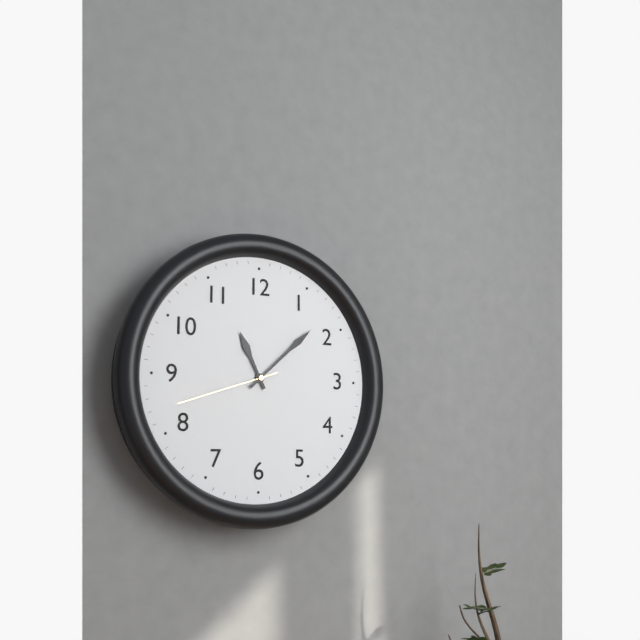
11:08:42
